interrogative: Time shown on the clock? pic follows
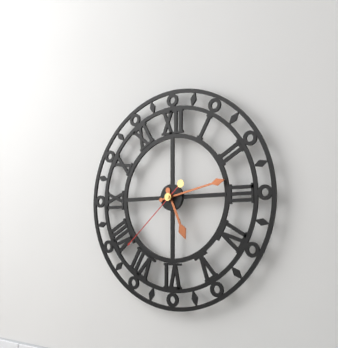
5:13:38
